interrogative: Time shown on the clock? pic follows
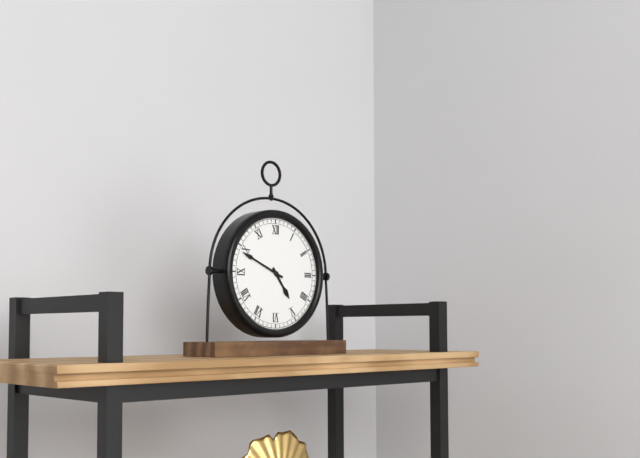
4:49
